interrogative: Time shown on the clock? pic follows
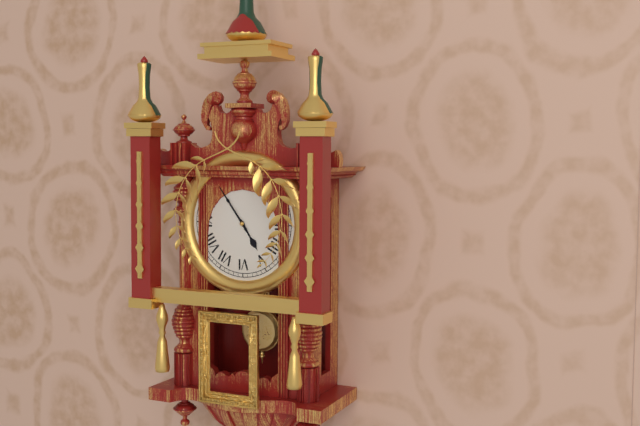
4:54
